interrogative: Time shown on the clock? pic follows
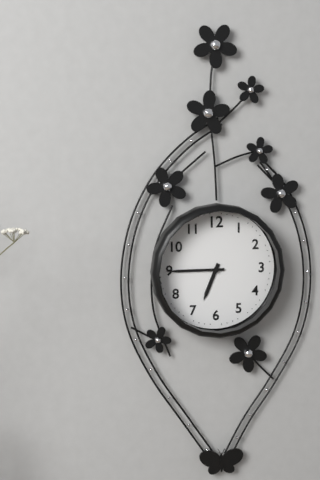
6:45
